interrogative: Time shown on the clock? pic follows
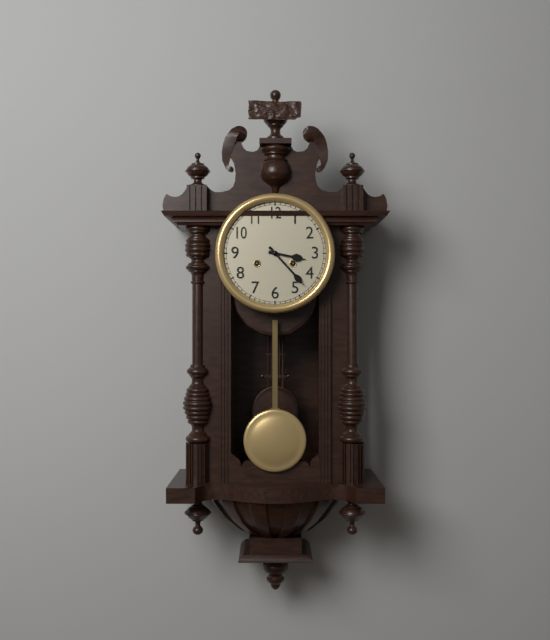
3:23
